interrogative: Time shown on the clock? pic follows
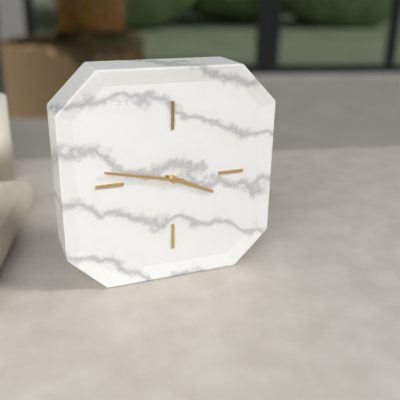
3:47
